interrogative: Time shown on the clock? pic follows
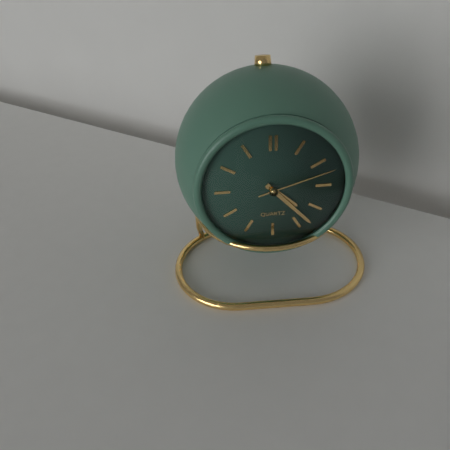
4:23:12
